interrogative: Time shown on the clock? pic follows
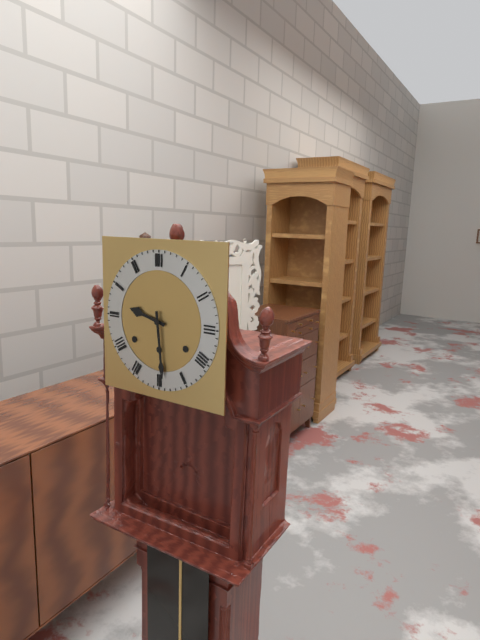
9:29
